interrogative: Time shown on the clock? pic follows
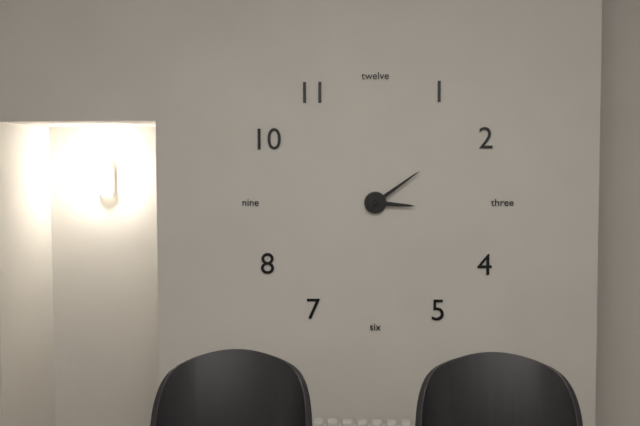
3:09
